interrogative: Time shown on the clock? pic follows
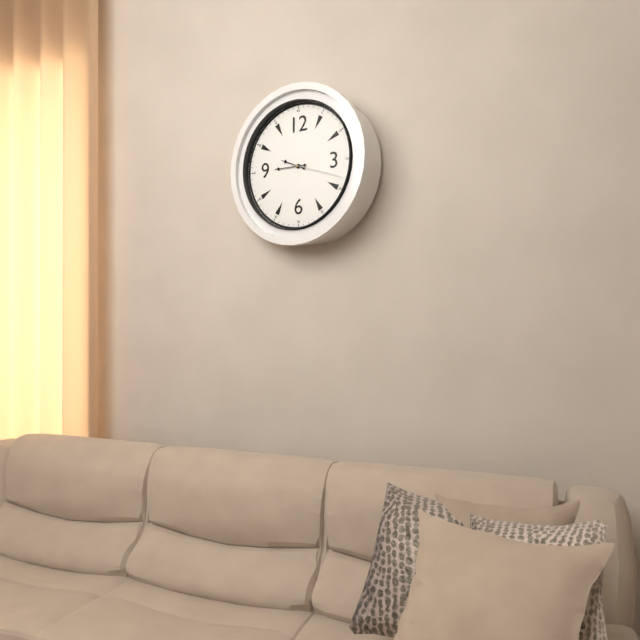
9:45:18
